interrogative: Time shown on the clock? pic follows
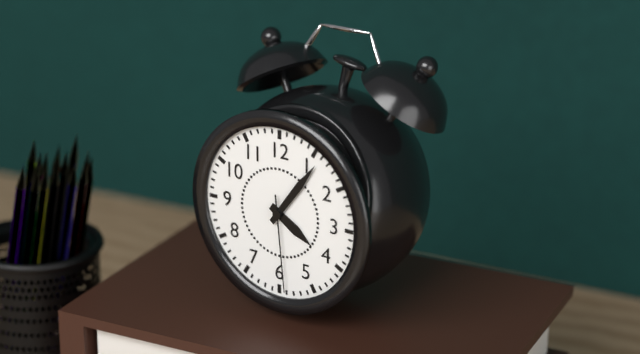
4:06:29
